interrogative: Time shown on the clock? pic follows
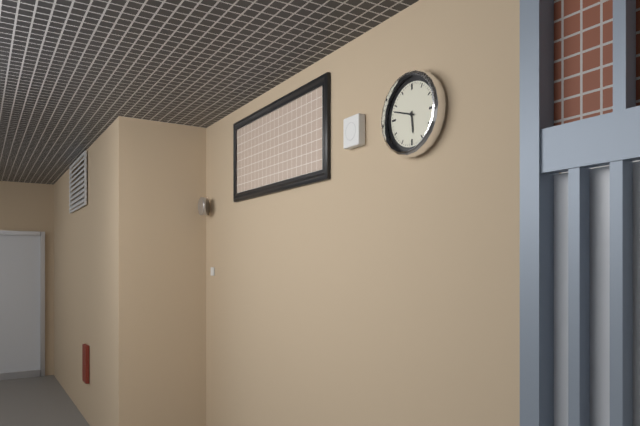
5:48
